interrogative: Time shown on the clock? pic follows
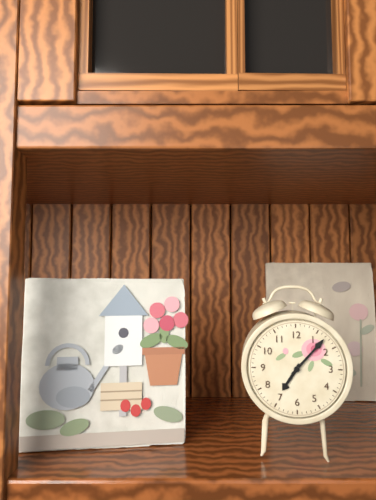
7:07
